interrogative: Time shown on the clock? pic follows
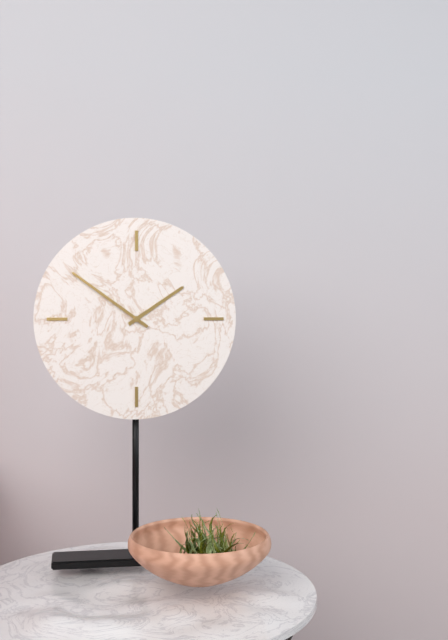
1:51
